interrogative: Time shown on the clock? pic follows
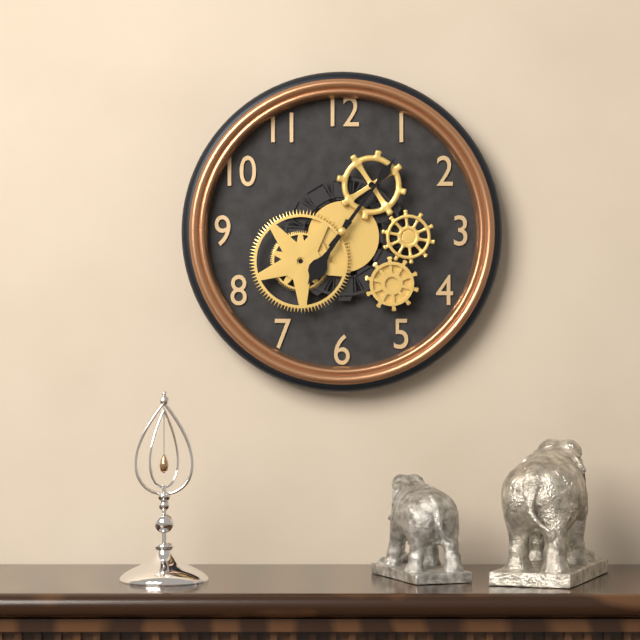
7:06
